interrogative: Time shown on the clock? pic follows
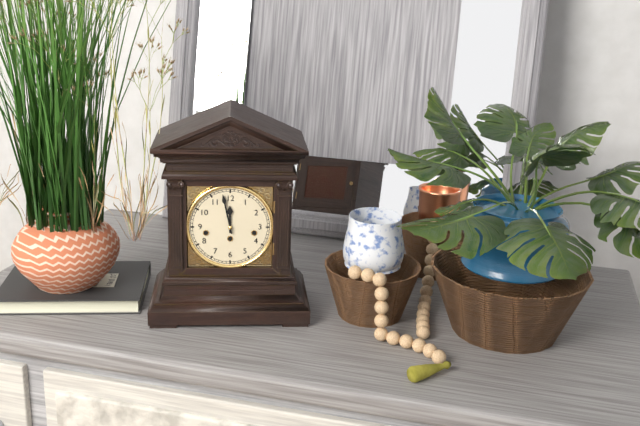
11:58
